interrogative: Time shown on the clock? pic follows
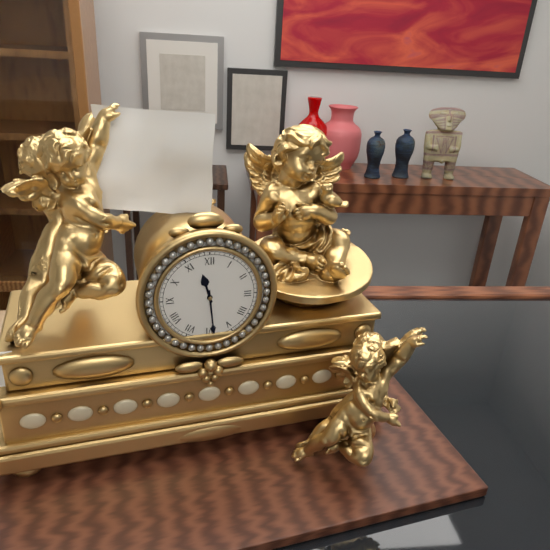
11:29
